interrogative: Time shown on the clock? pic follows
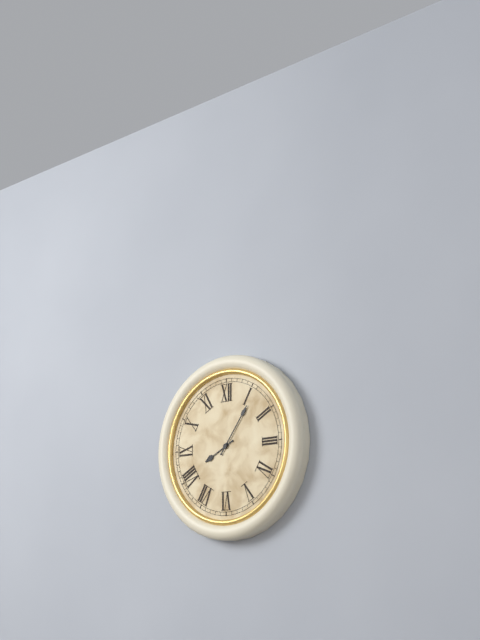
8:06
